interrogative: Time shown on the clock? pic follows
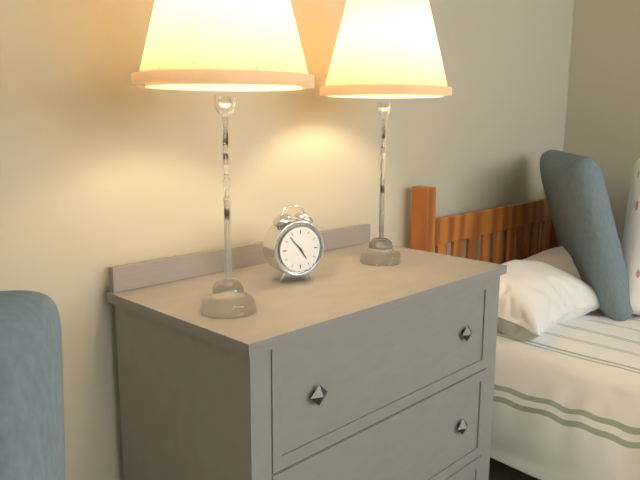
4:53
